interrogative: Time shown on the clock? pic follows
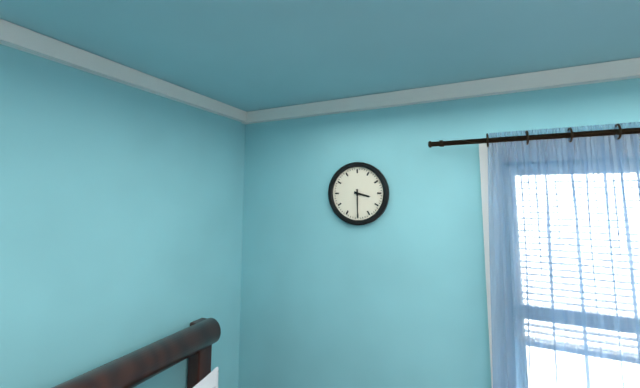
3:30
